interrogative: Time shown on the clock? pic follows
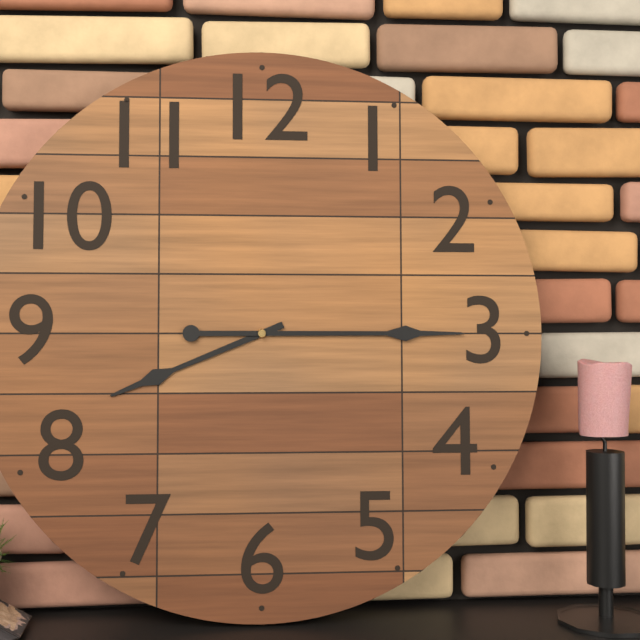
8:15
